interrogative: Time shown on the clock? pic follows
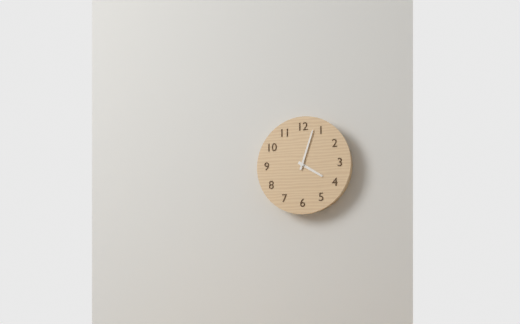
4:03
